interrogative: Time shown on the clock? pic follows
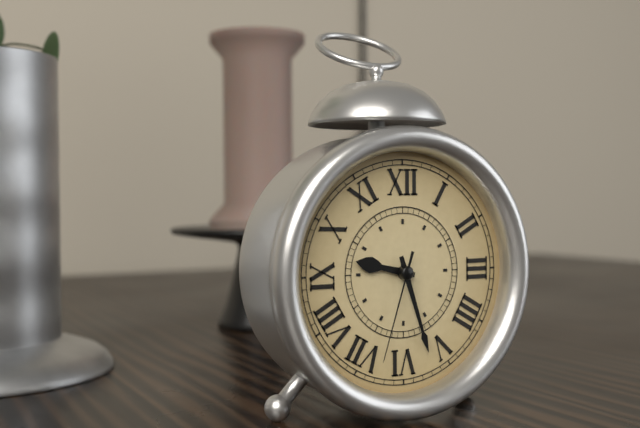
9:27:33
